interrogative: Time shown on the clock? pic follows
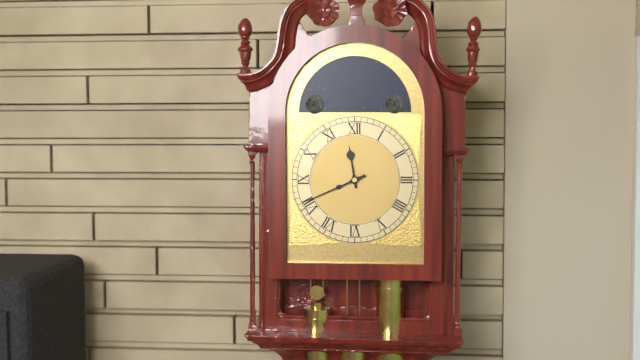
11:41
